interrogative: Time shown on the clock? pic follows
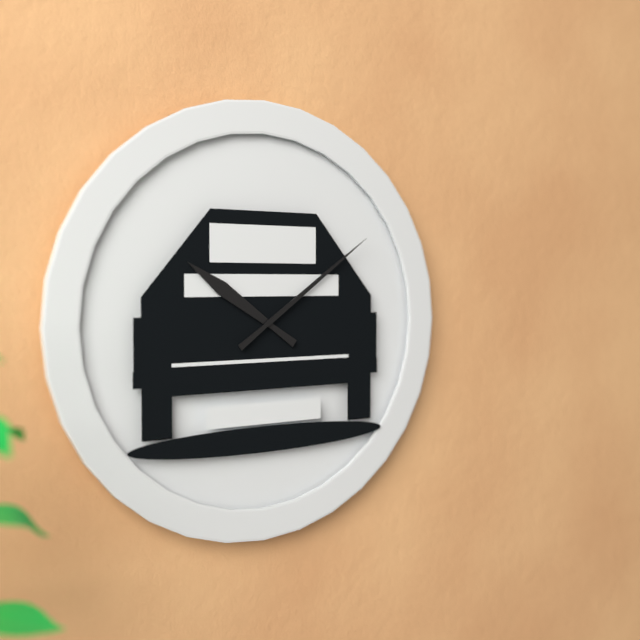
10:09
